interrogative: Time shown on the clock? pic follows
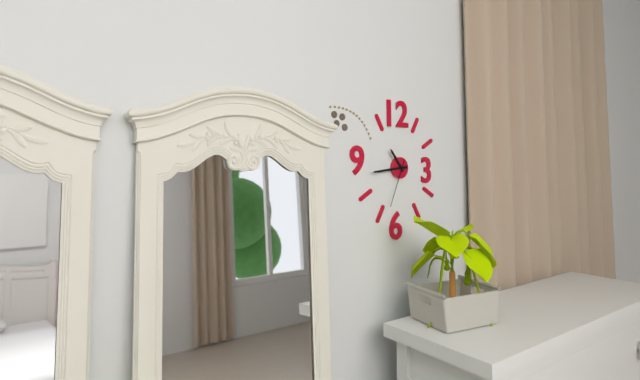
10:44
